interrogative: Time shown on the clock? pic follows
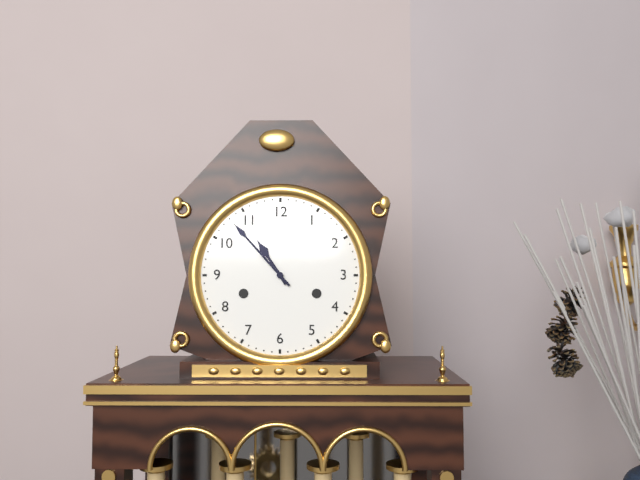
10:53
